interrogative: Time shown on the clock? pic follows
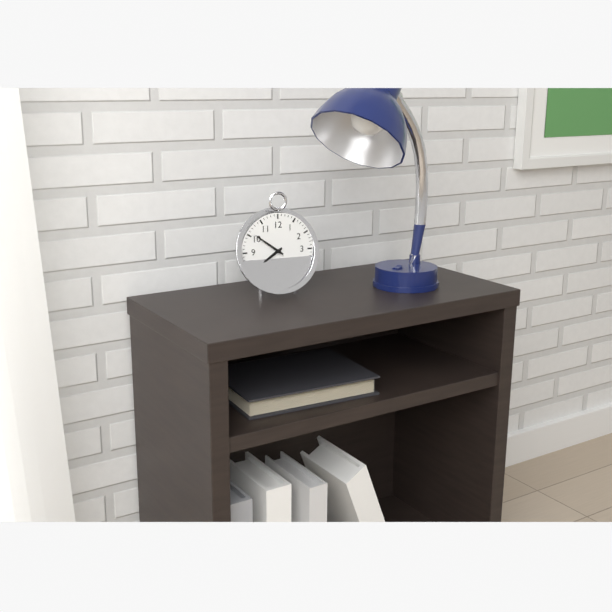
7:51
